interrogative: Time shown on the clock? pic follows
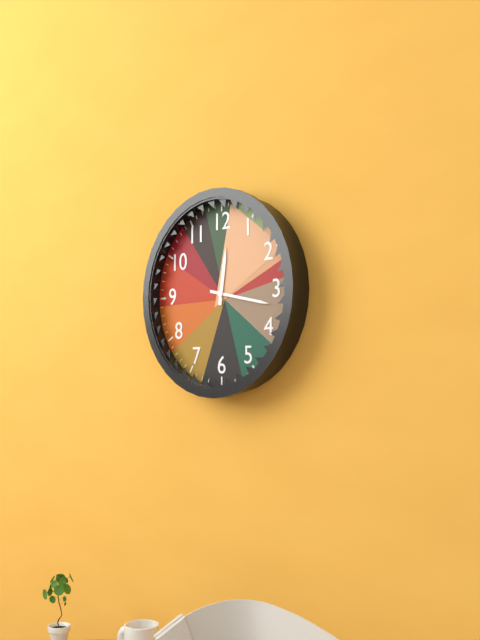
12:17
